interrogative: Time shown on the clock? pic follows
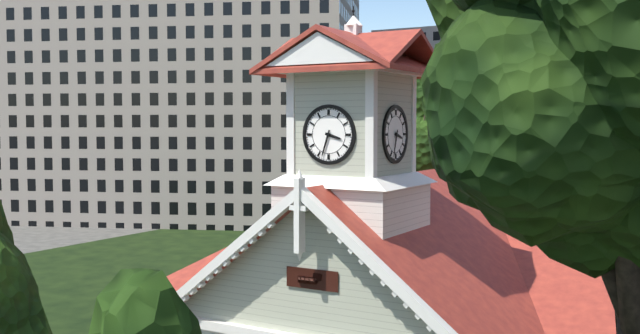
3:33
